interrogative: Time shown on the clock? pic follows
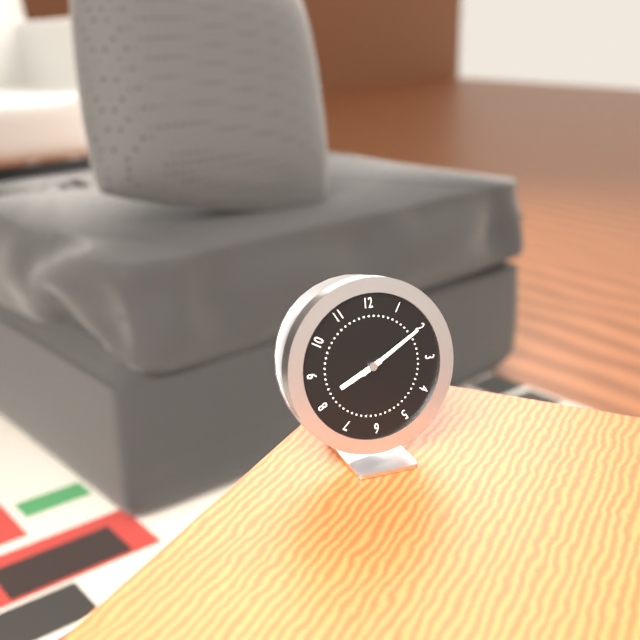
8:10
